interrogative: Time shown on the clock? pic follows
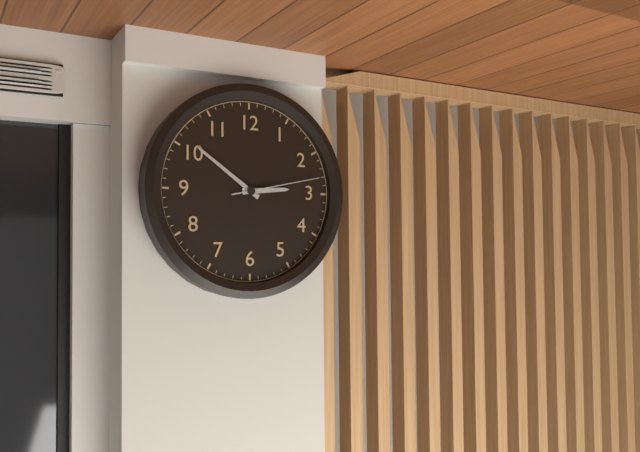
2:51:13
